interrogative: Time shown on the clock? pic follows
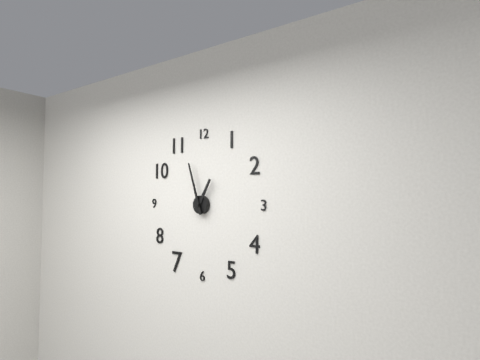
12:57
